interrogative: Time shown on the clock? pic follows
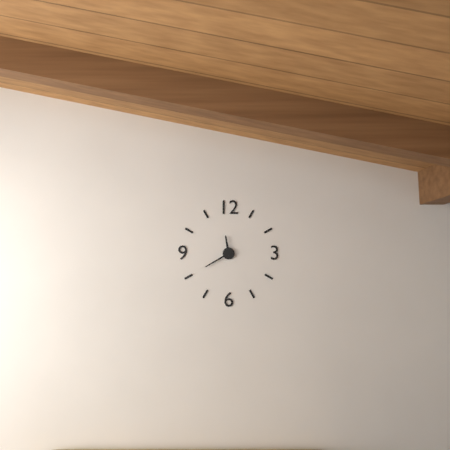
11:40
